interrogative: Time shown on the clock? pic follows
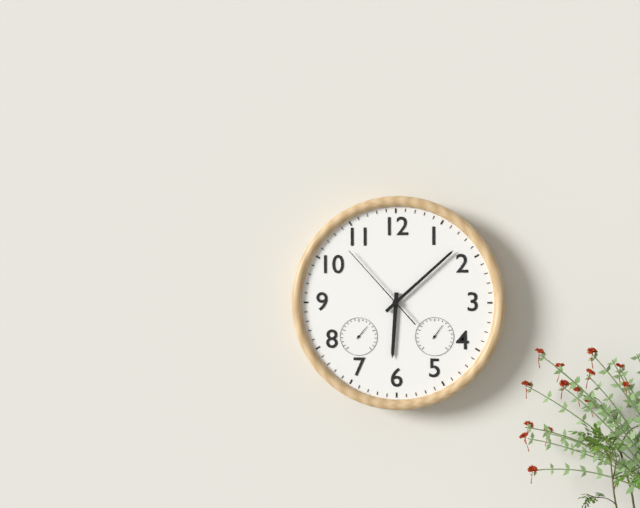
6:08:53
